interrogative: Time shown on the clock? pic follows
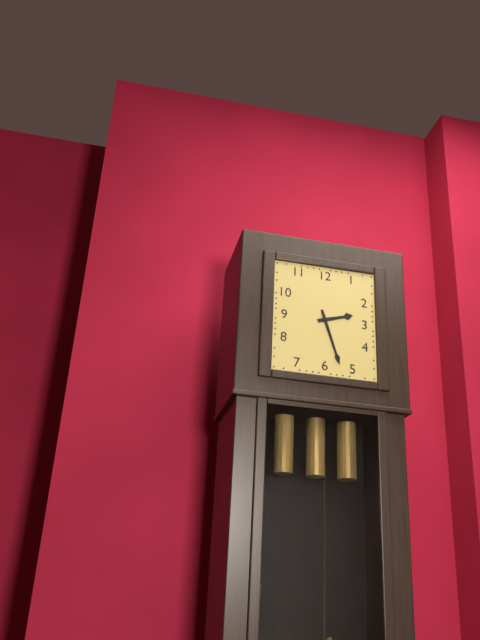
2:27
